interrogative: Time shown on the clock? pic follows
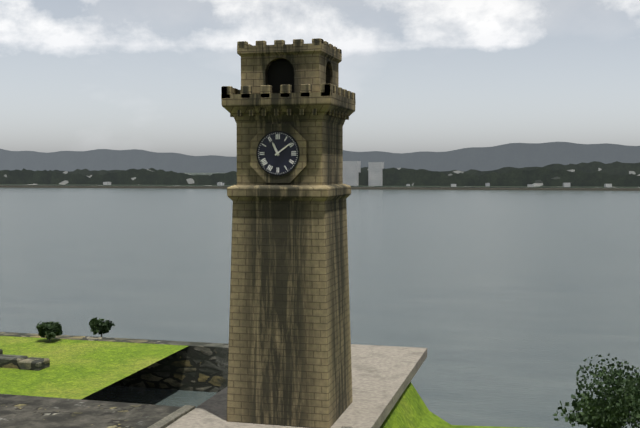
11:09
